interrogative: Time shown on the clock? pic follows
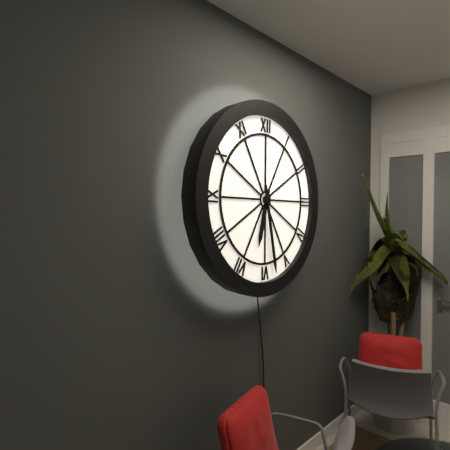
6:28
